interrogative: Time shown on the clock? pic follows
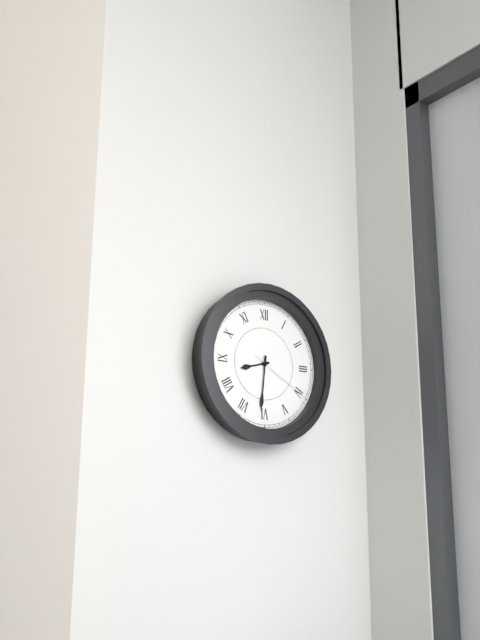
8:31:20
